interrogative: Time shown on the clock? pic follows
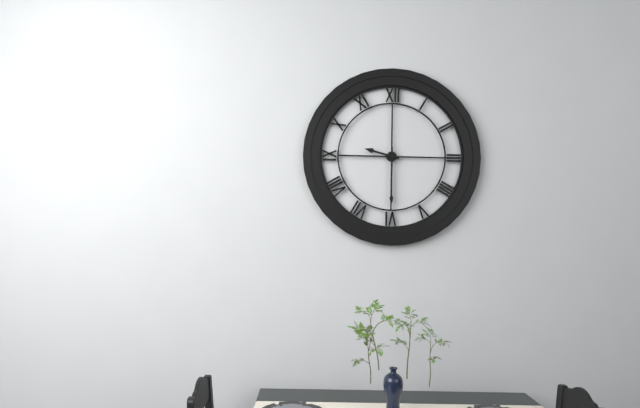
9:30
